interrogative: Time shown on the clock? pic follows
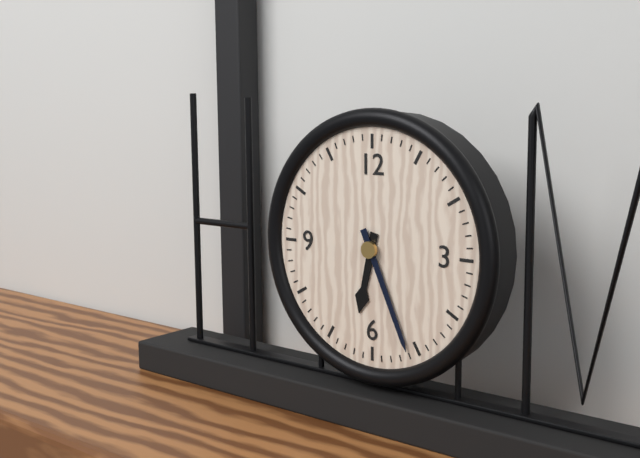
6:26
